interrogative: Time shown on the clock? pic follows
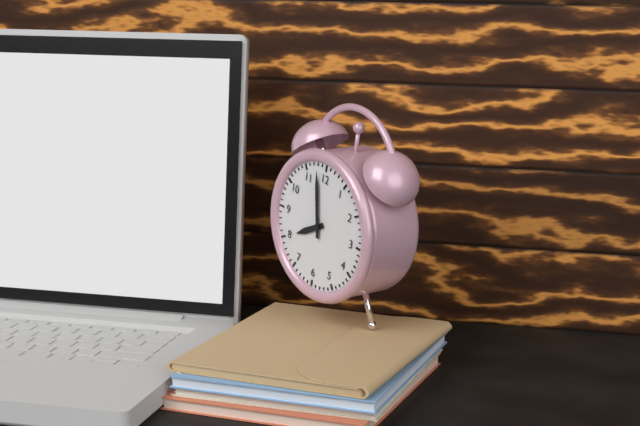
7:58
